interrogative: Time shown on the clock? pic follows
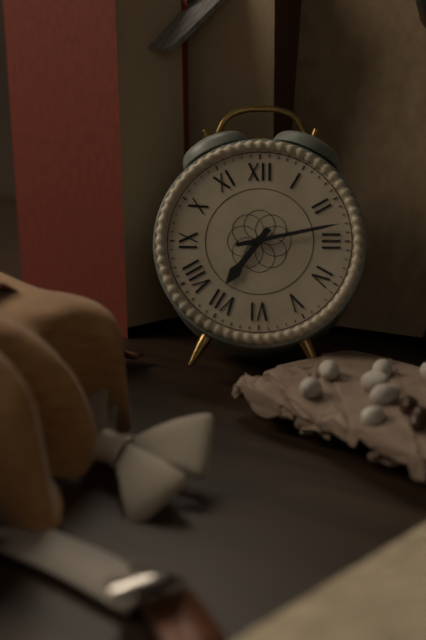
7:13
